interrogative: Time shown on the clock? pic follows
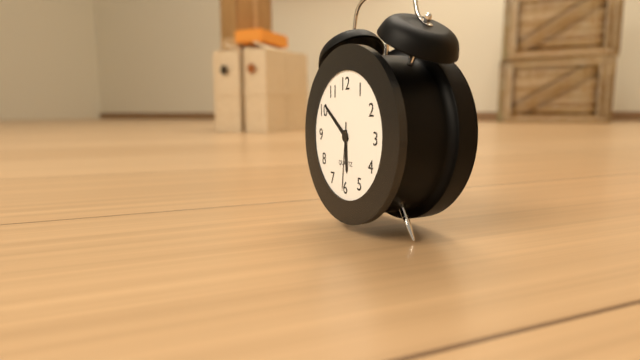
5:51:31
